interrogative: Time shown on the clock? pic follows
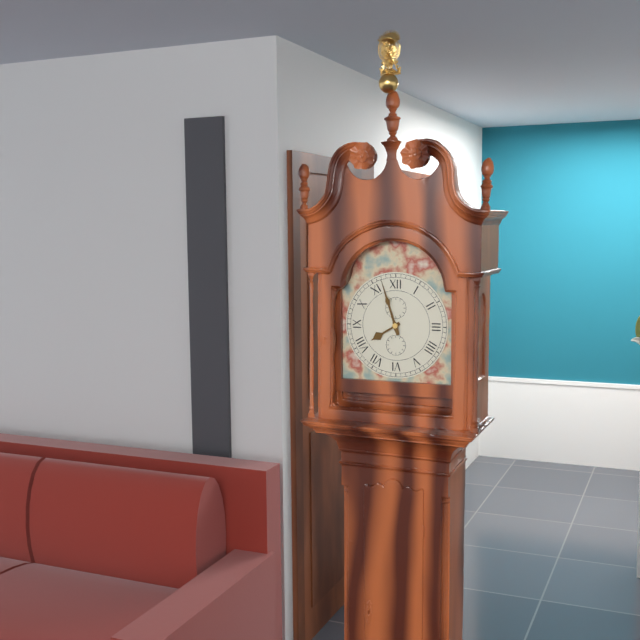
7:57
